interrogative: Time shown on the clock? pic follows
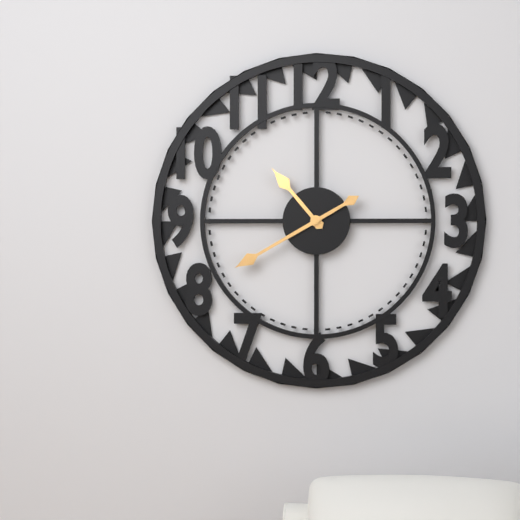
10:40
